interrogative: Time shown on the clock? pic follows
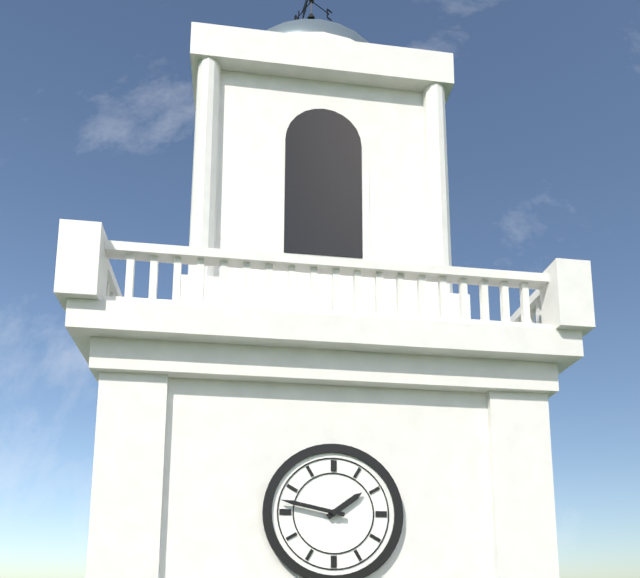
1:47
